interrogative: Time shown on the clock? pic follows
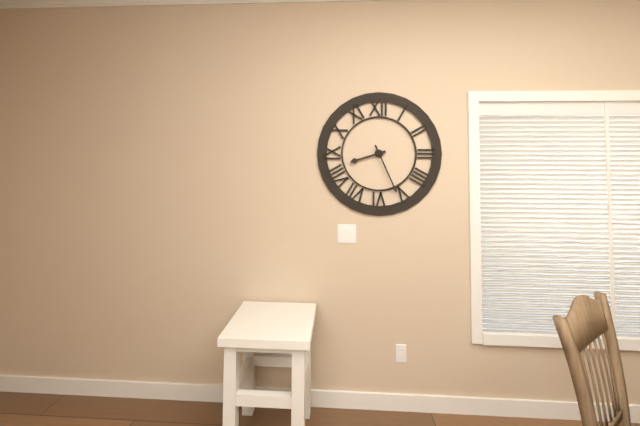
8:26
